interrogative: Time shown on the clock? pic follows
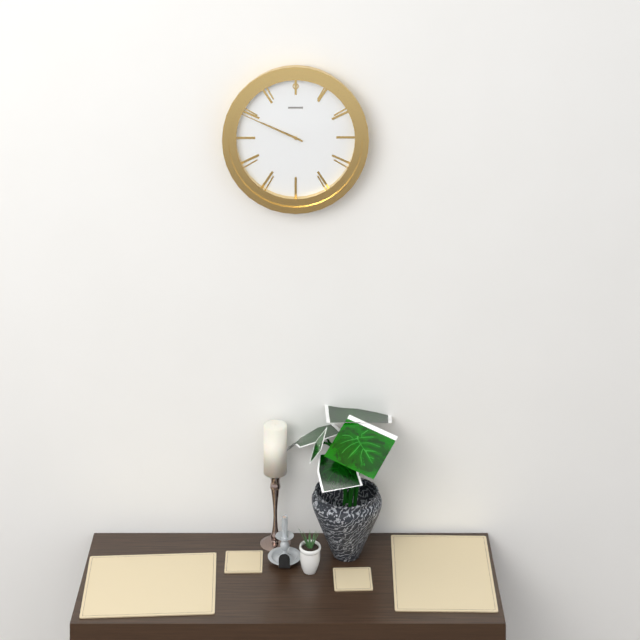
9:49
